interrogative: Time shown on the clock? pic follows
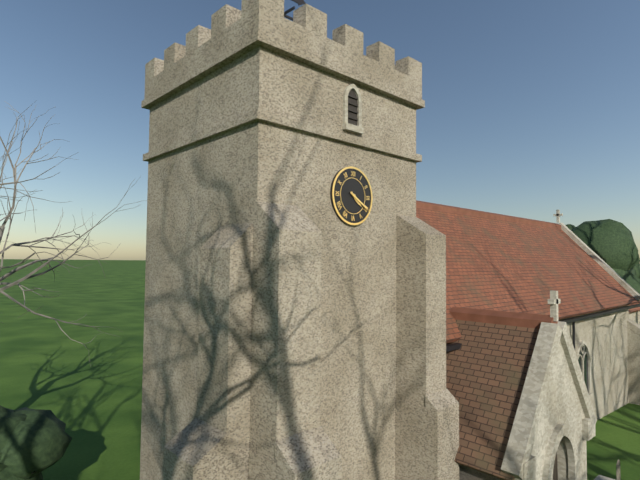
4:20
